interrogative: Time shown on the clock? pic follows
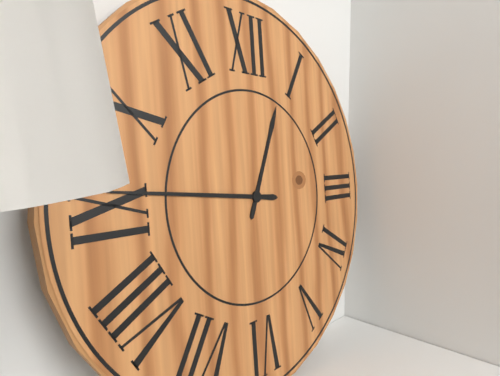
12:46
